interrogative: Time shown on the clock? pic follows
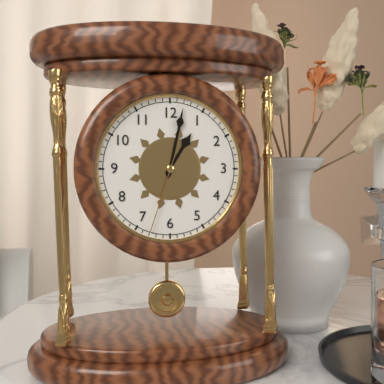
1:02:33
